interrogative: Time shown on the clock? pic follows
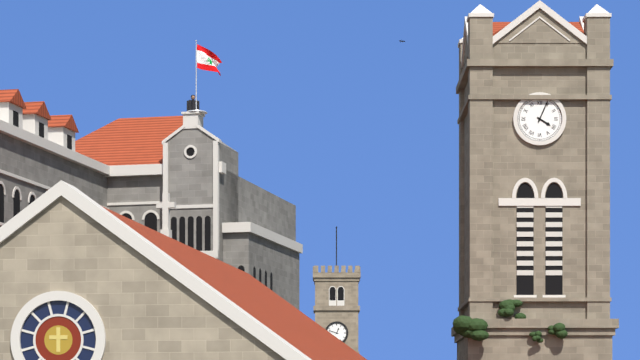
4:04
